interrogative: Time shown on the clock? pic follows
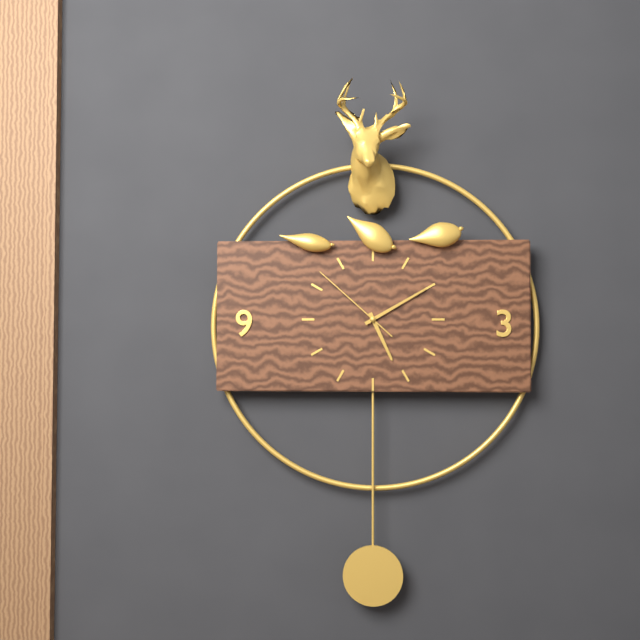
5:10:52
